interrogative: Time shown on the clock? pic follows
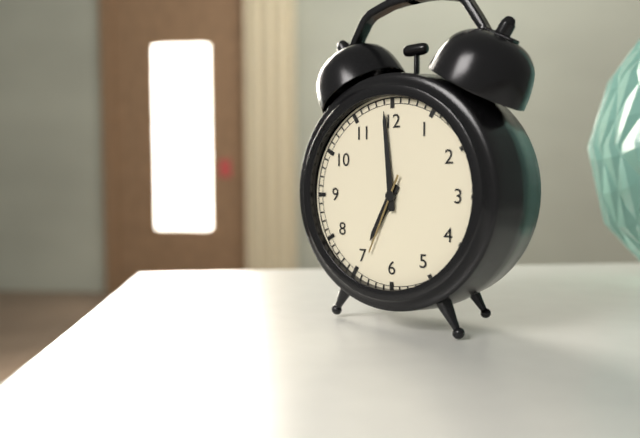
6:59:34
